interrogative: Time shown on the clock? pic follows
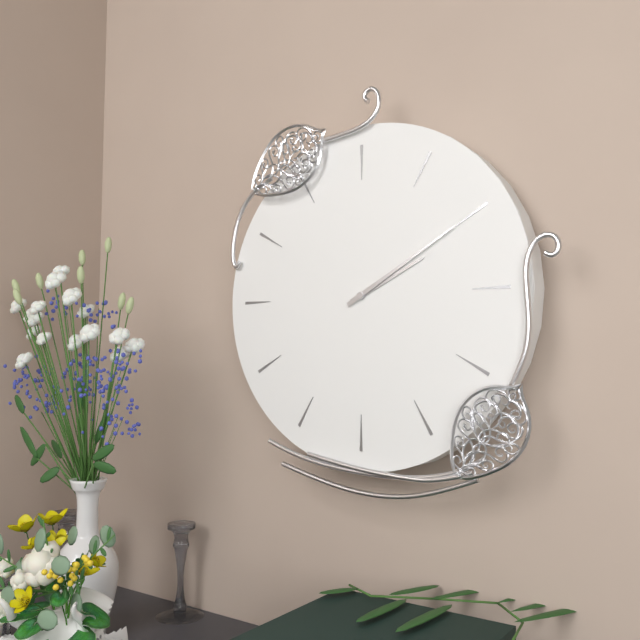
2:10
